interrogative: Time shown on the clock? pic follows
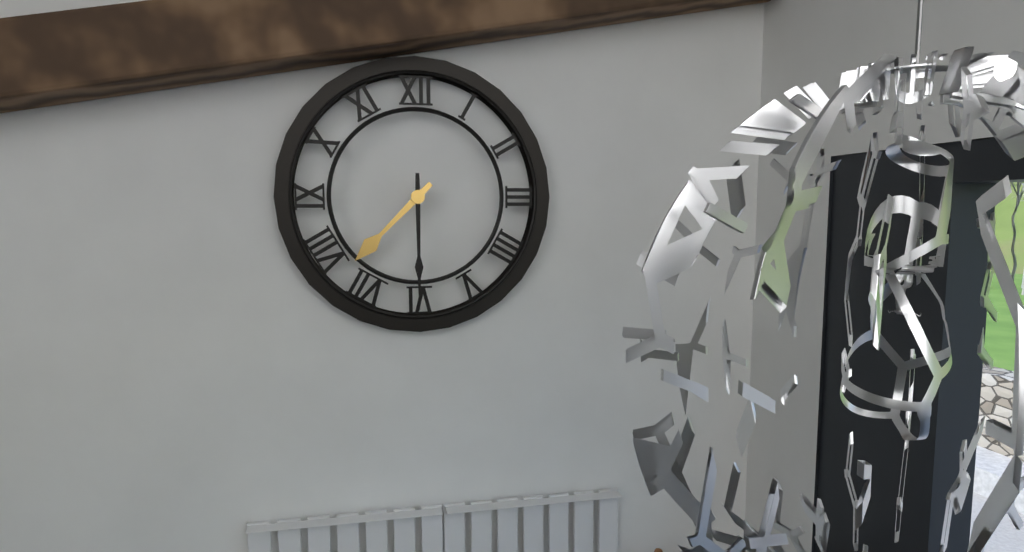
7:30
